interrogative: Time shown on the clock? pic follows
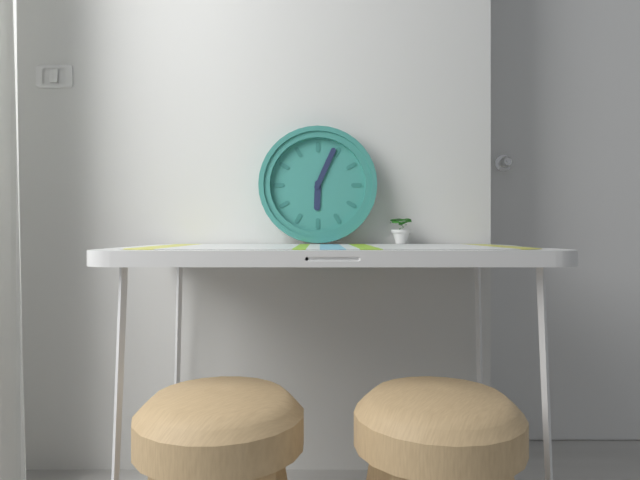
6:04
